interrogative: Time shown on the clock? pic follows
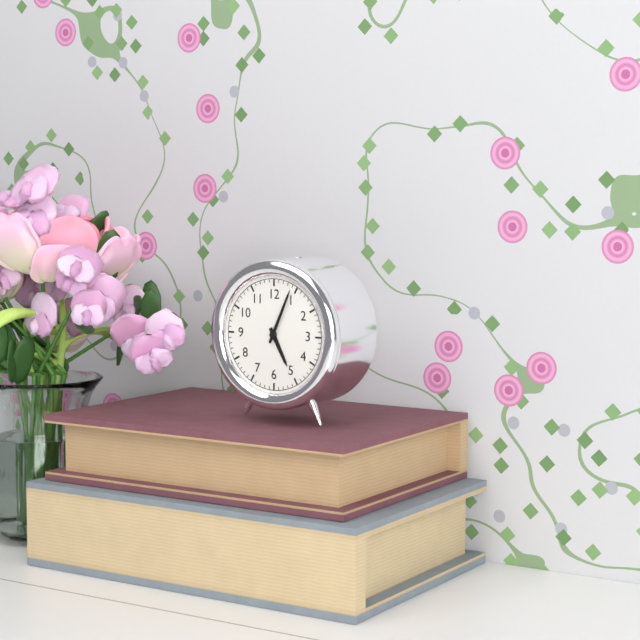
5:04
